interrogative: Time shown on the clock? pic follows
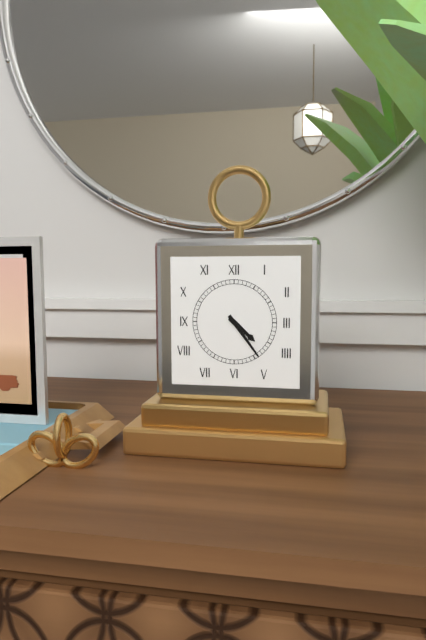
4:24
